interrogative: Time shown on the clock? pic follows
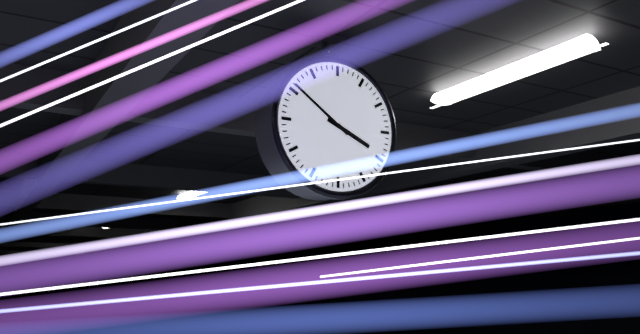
3:51
